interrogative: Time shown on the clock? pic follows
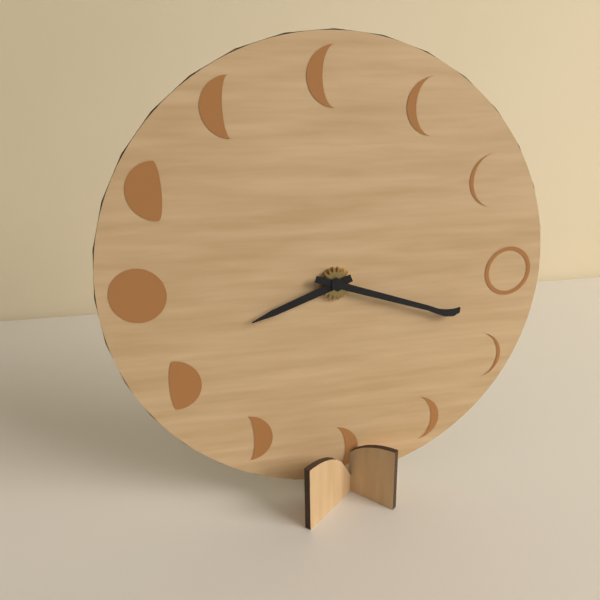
8:18
